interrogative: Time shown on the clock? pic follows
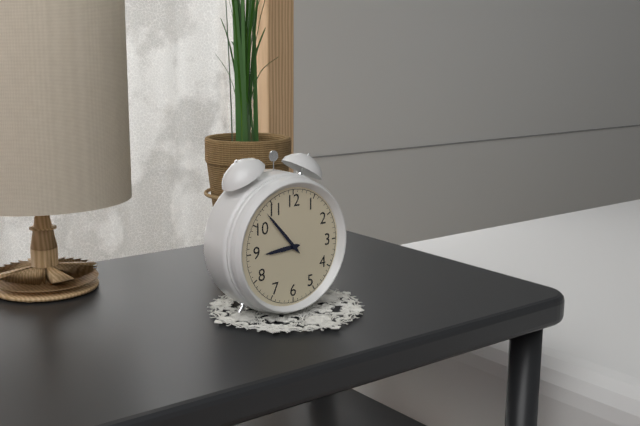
8:53
